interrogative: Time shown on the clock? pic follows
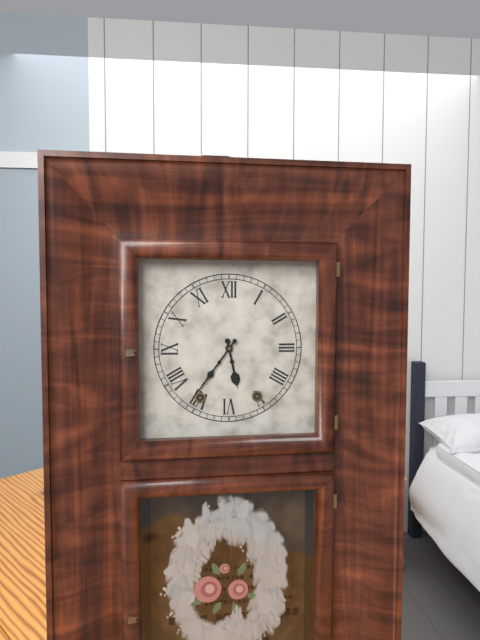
5:36
